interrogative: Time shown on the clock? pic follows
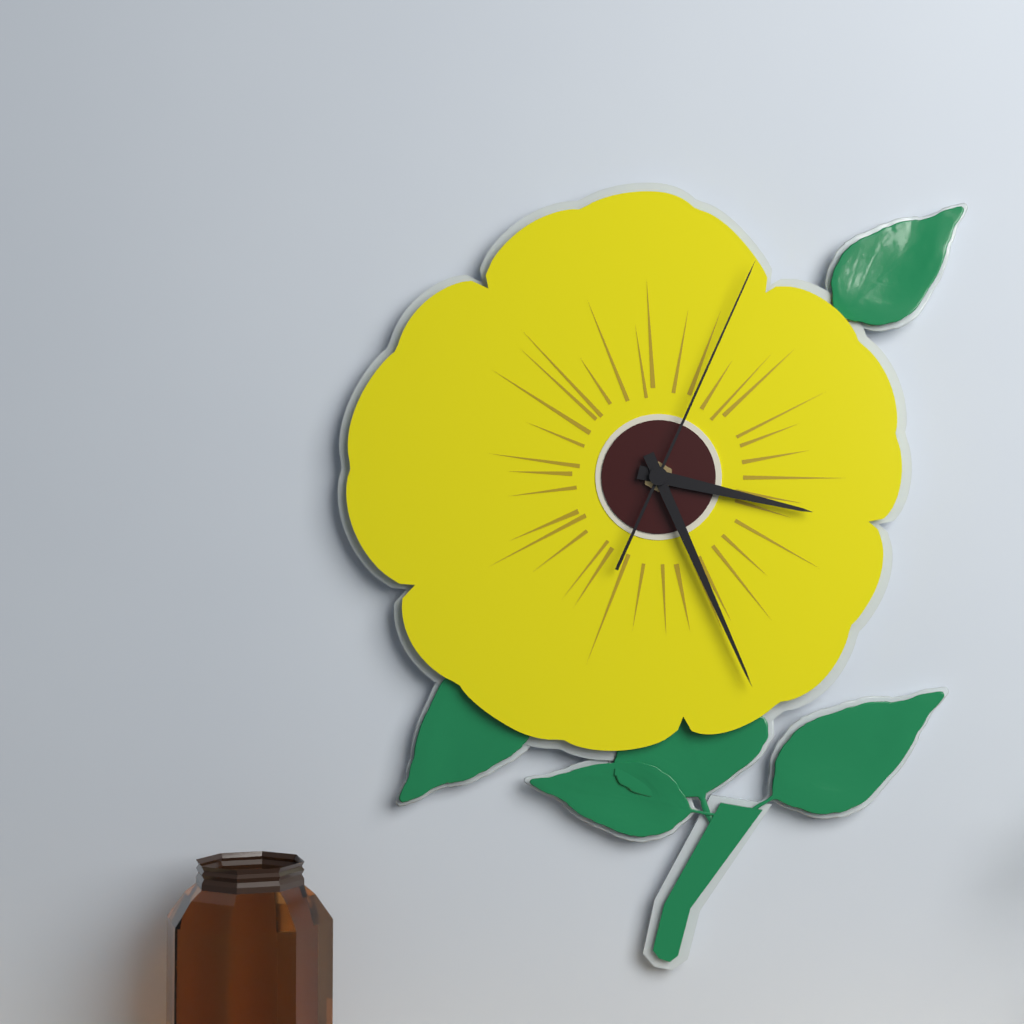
3:26:04
